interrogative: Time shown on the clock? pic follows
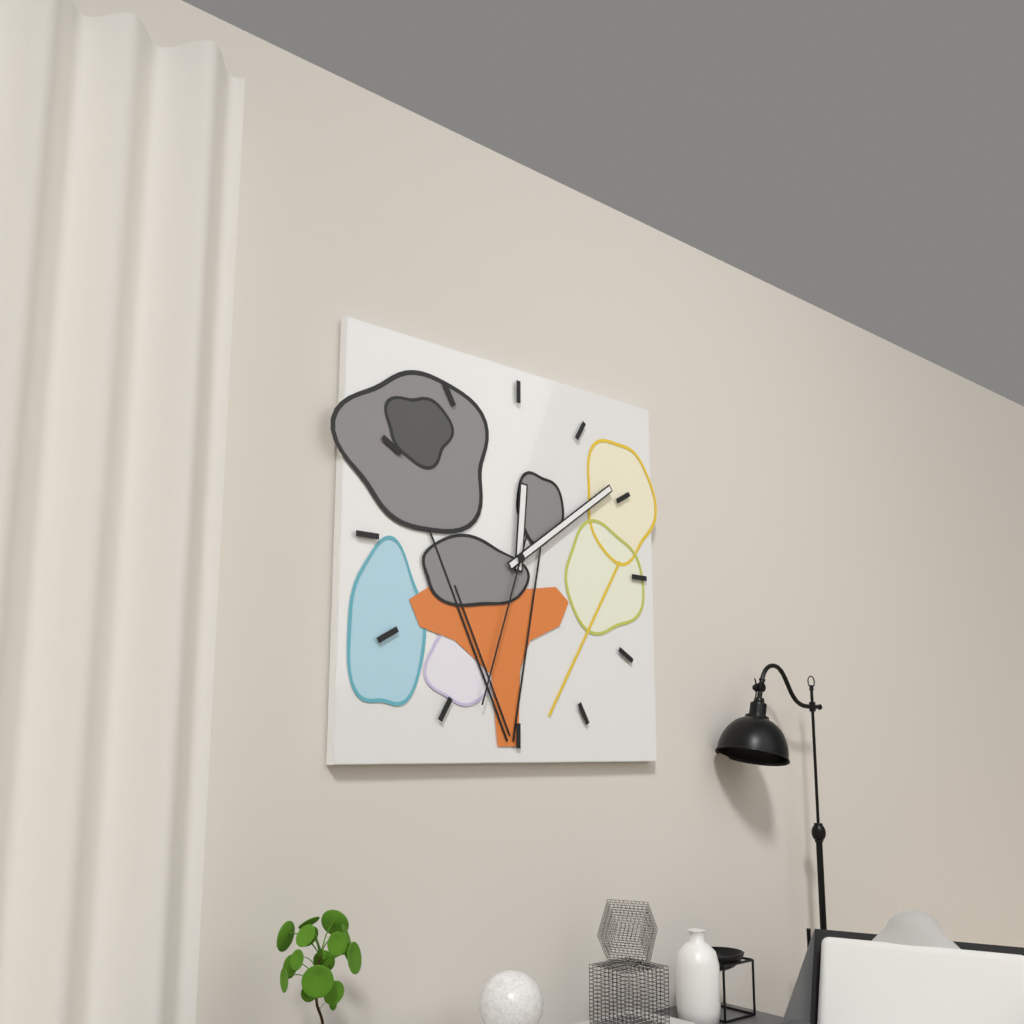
12:09:33
